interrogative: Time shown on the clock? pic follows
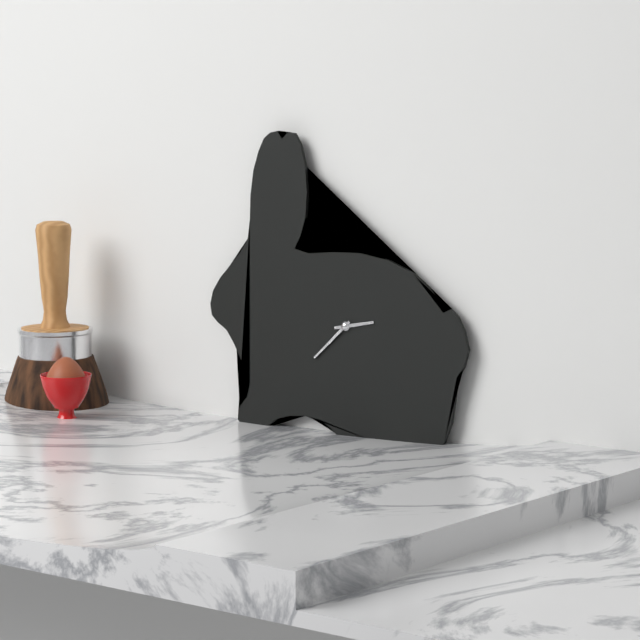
2:38
